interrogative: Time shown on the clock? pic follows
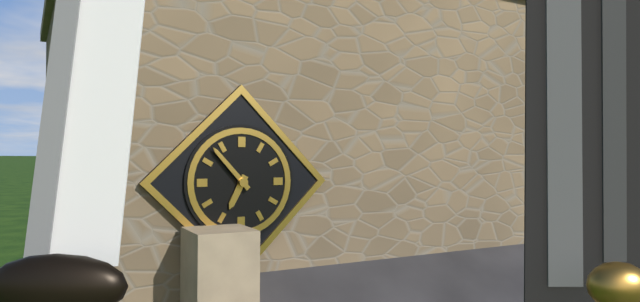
6:53
